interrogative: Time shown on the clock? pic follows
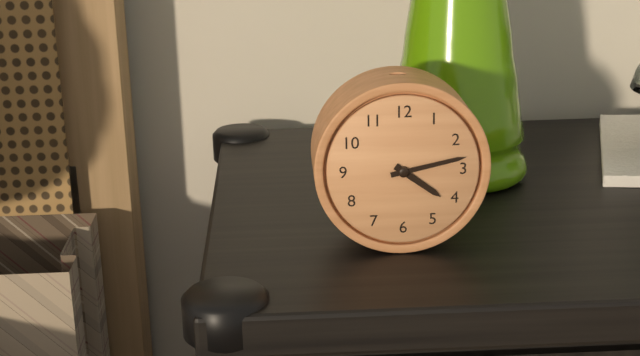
4:13
